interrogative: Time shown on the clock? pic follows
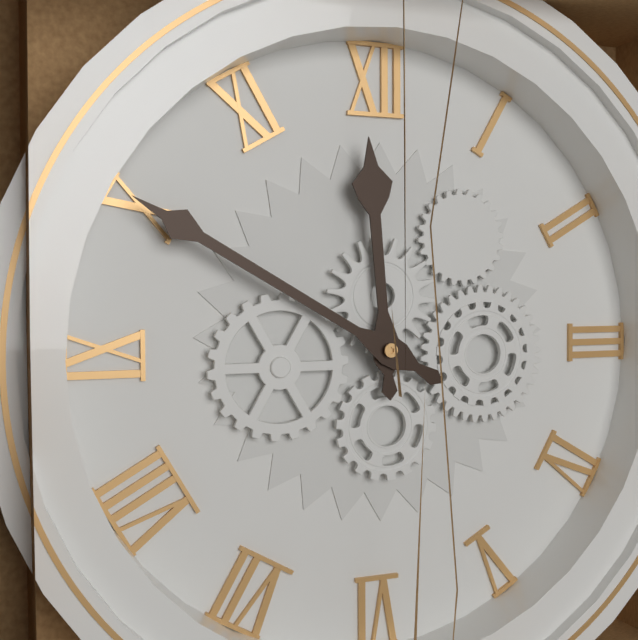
11:50
